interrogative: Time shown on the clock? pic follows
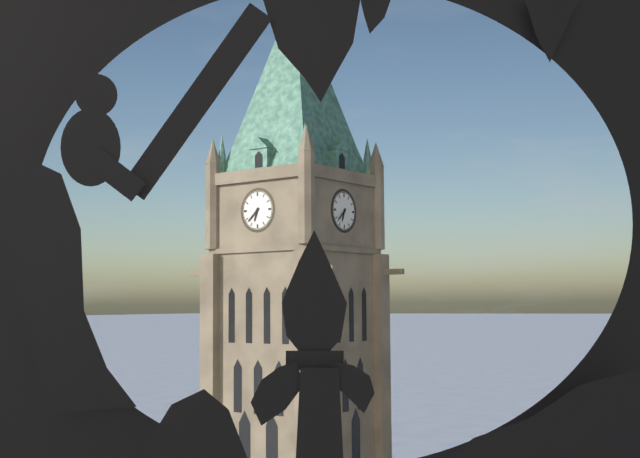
6:38
